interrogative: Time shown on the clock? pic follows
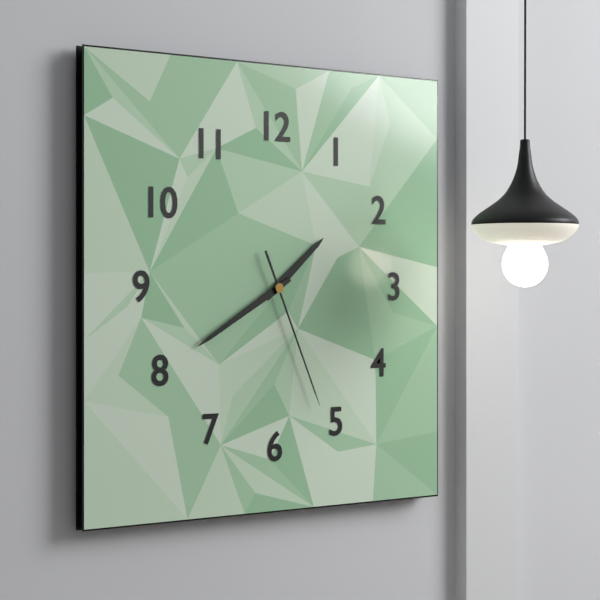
1:40:26
